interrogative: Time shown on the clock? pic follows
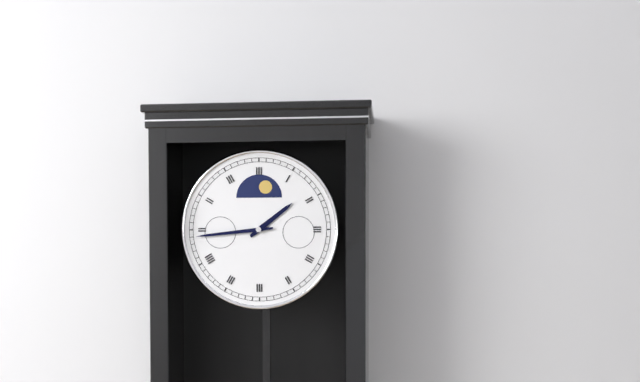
1:44
